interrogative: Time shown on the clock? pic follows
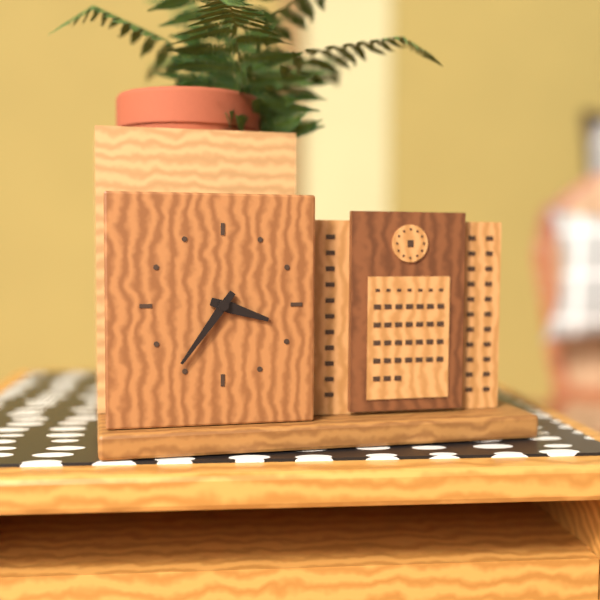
3:36
